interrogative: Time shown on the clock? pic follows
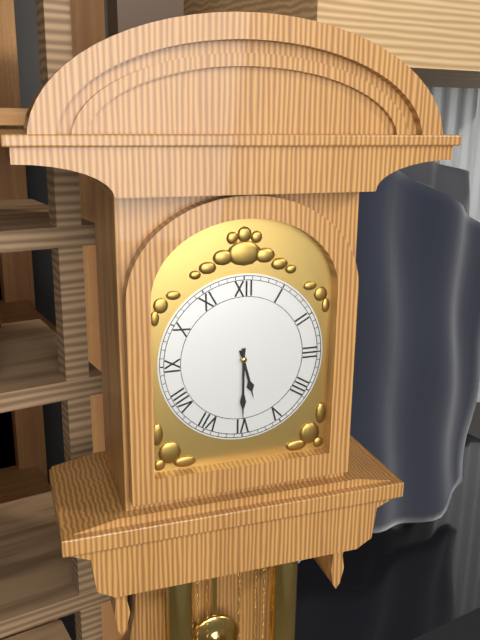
5:30
